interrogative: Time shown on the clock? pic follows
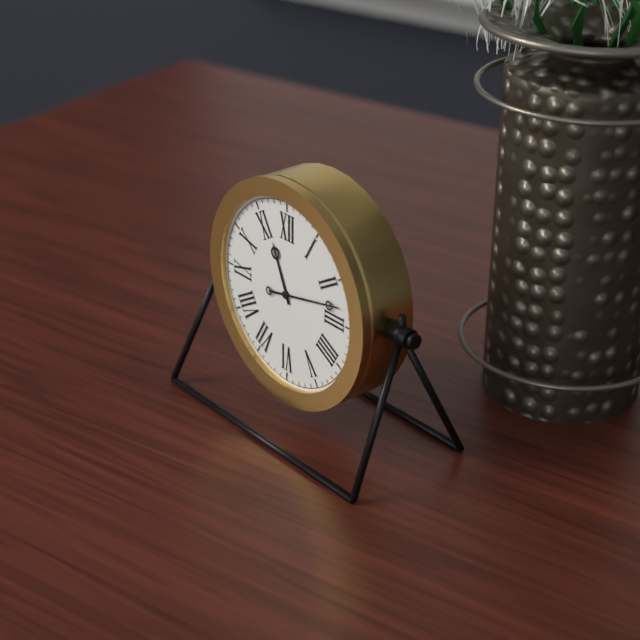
11:13
